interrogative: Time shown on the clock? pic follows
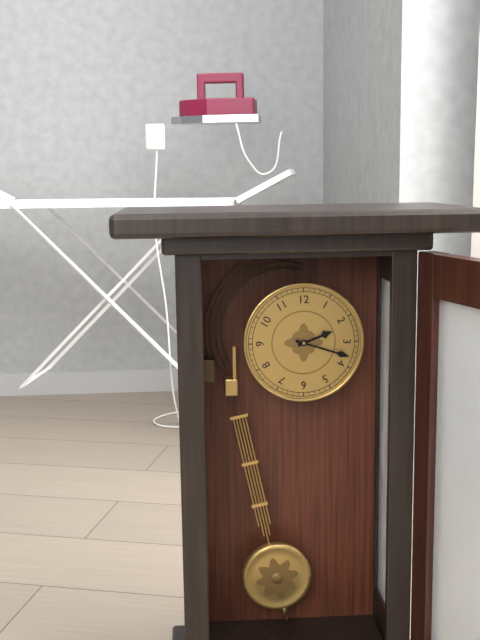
2:18
